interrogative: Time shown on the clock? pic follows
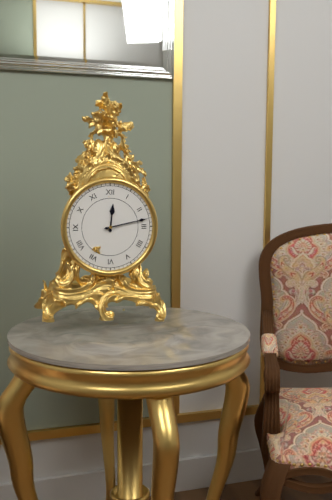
12:13
